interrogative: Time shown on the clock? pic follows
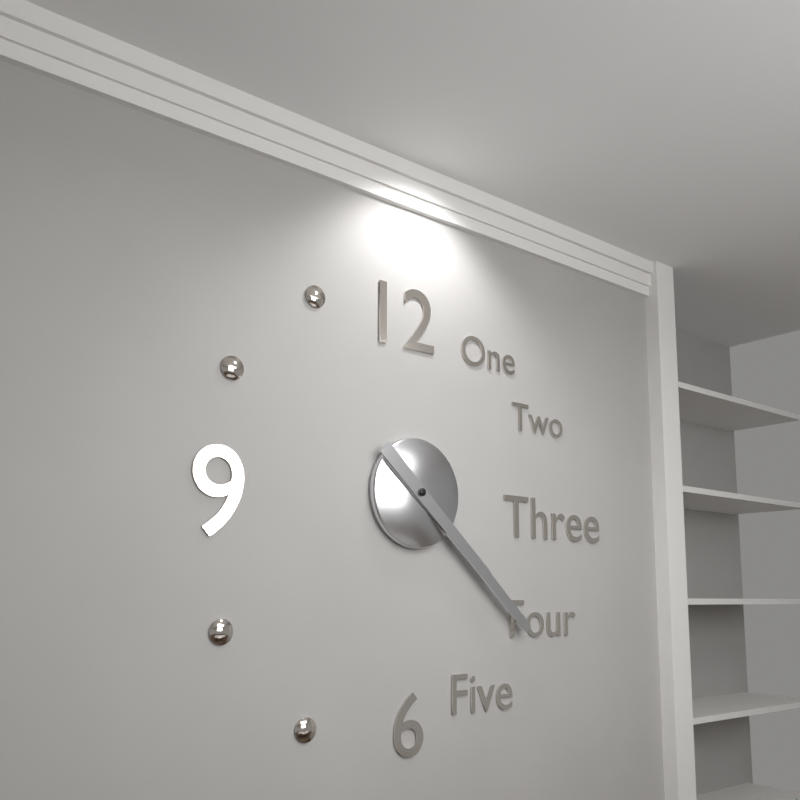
4:22
